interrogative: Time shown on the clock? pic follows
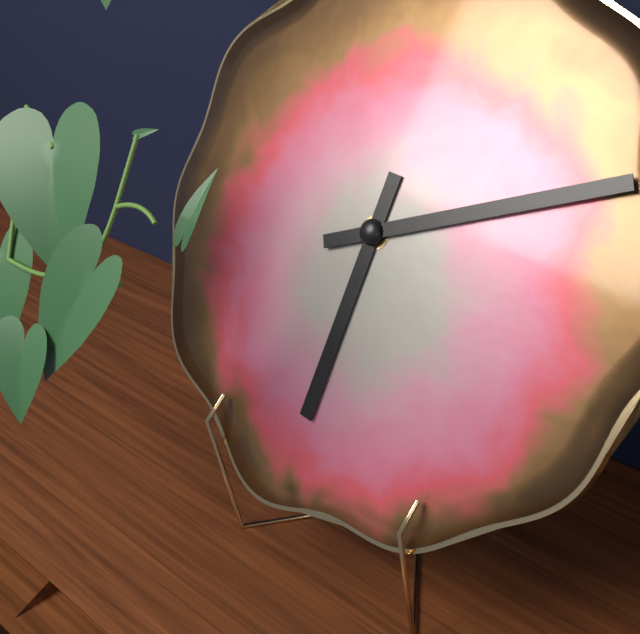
6:11
